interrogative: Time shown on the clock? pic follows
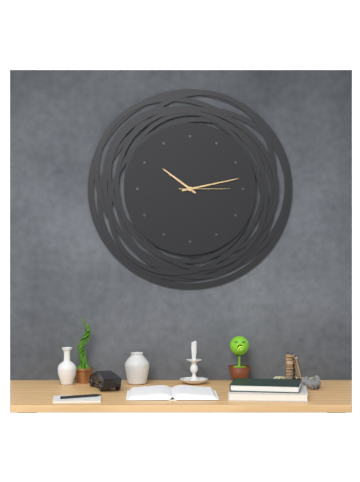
10:13:15
